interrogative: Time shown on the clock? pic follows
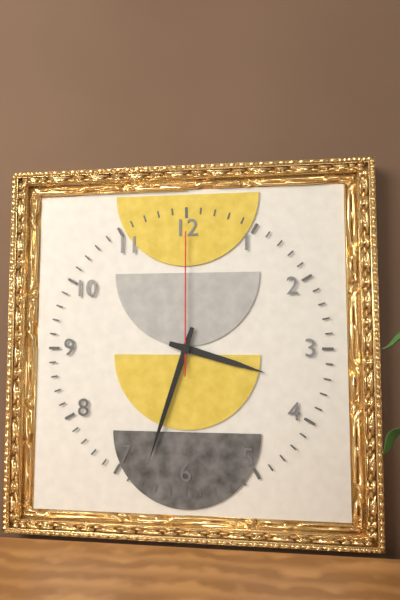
3:33:00
